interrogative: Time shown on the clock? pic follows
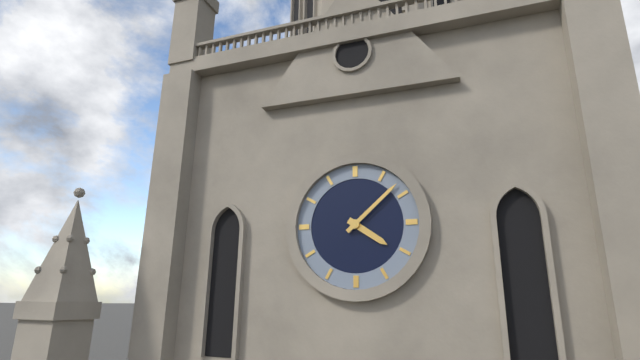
4:08
